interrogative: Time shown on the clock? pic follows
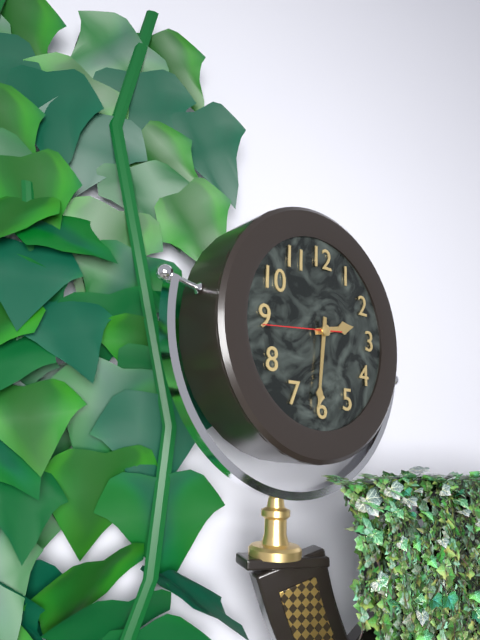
2:31:44
